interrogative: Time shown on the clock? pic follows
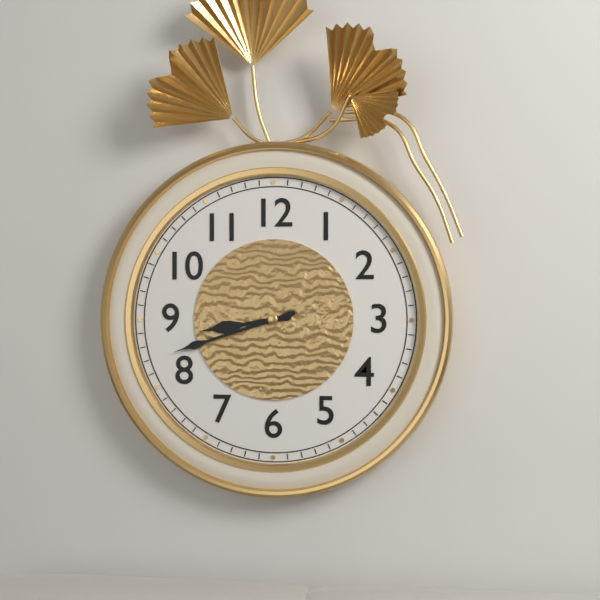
8:42
